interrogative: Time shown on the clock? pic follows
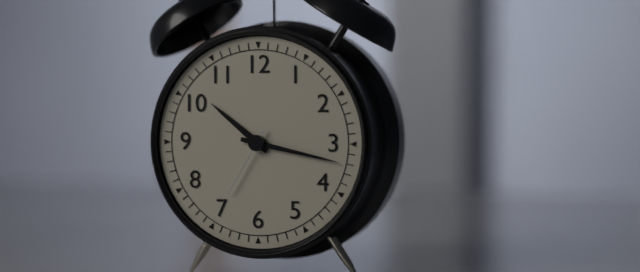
10:17:35
